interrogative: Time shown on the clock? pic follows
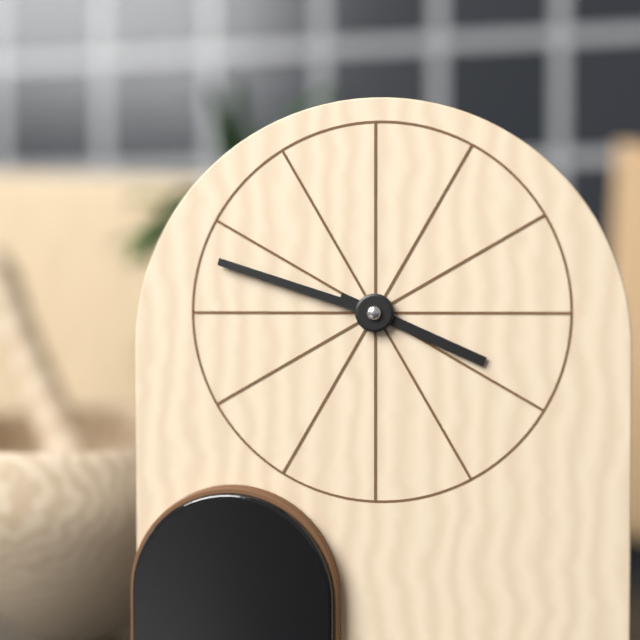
3:48
